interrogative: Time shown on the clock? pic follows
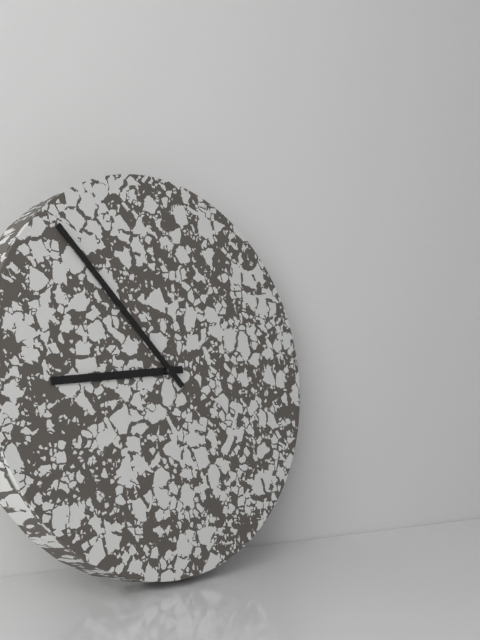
8:53
